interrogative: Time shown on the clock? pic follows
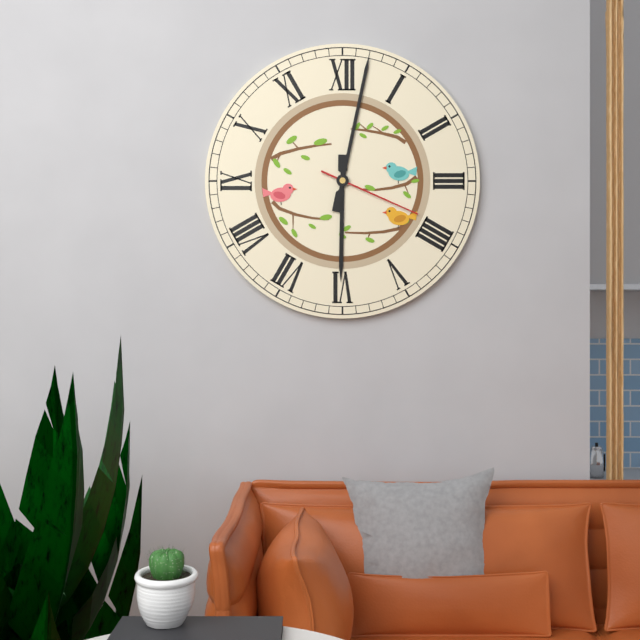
6:02:19
